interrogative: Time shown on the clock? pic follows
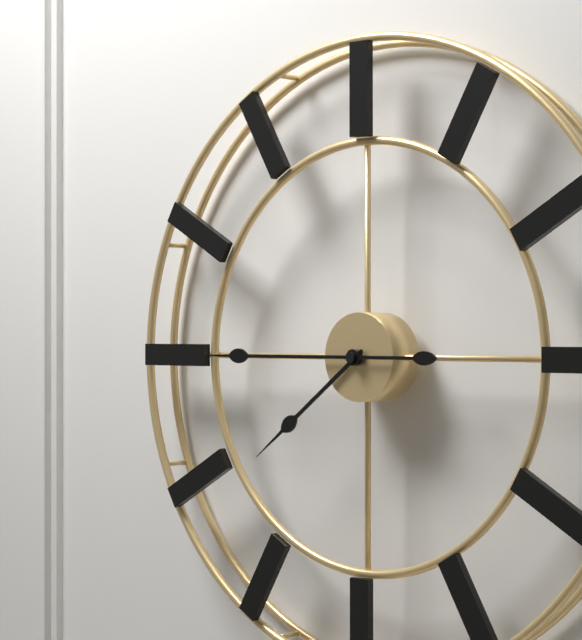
7:45
